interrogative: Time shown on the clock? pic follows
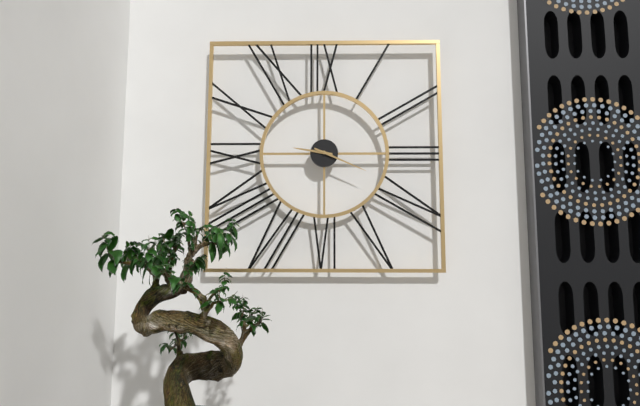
9:19
